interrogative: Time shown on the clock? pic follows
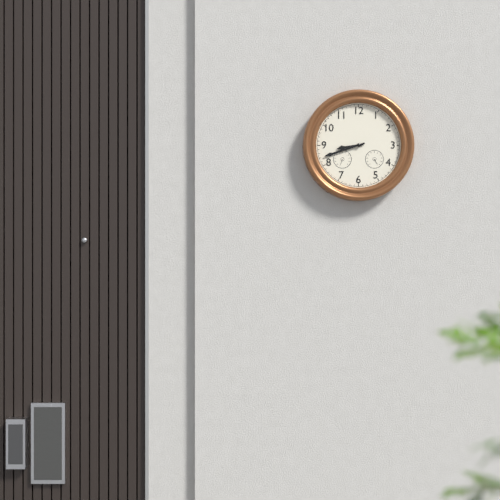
8:42
